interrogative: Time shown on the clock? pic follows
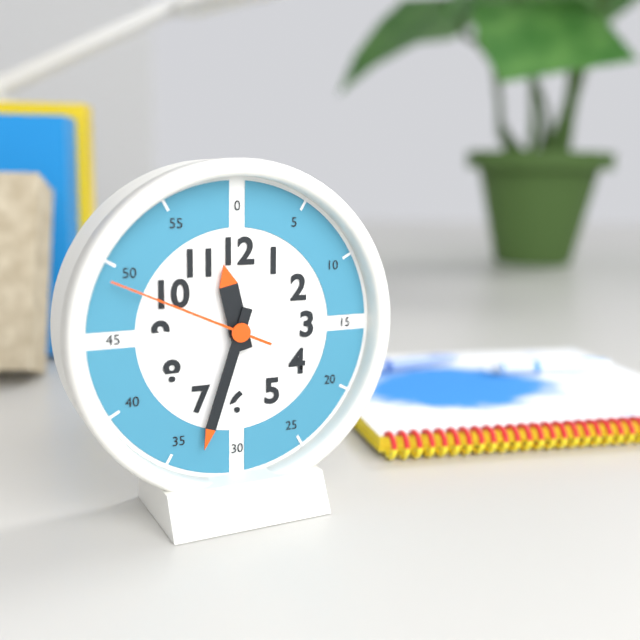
11:33:49
